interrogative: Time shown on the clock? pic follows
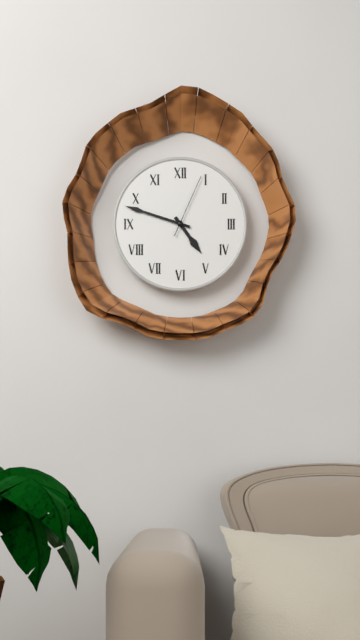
4:48:04
